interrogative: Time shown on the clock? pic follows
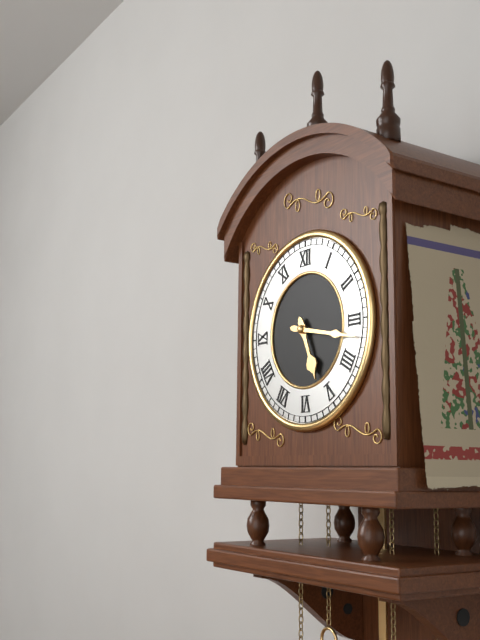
5:17
